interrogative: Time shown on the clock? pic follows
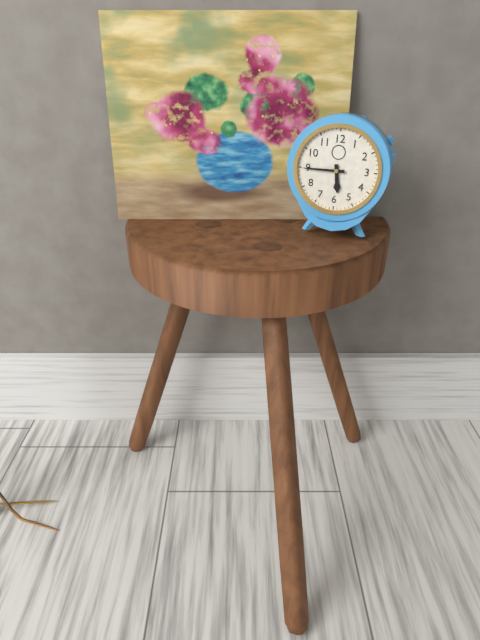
5:45
